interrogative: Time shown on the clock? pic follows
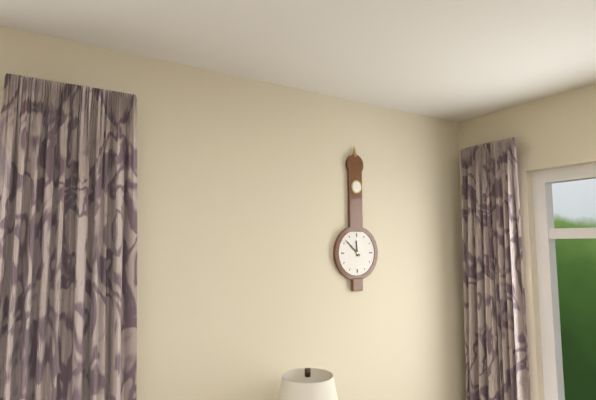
11:52
